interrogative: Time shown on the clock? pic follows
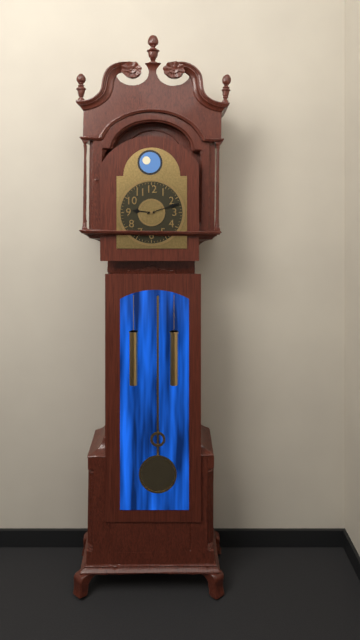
9:12
